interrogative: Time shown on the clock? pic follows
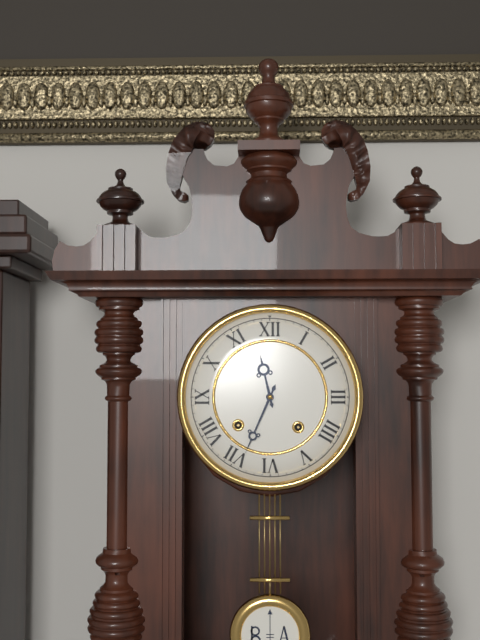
11:34
